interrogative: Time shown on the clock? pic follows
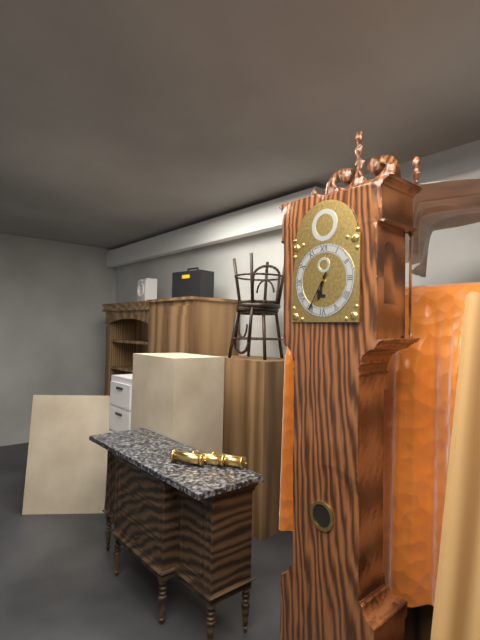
6:35
